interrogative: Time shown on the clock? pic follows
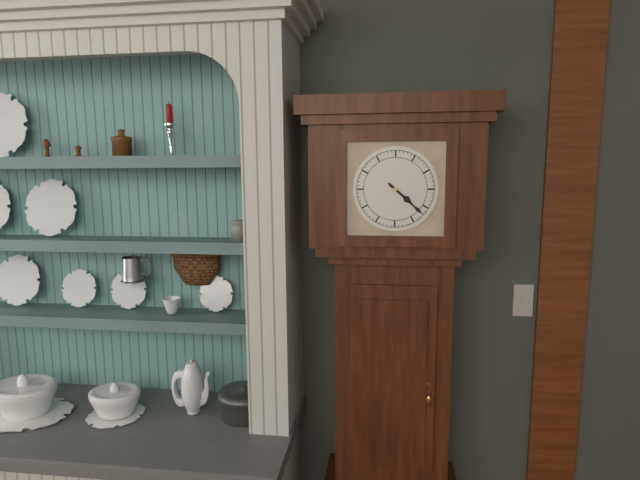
4:22
